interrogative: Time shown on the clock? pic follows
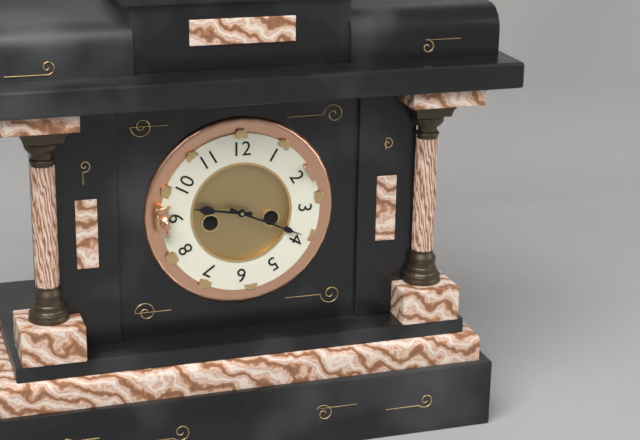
9:19
